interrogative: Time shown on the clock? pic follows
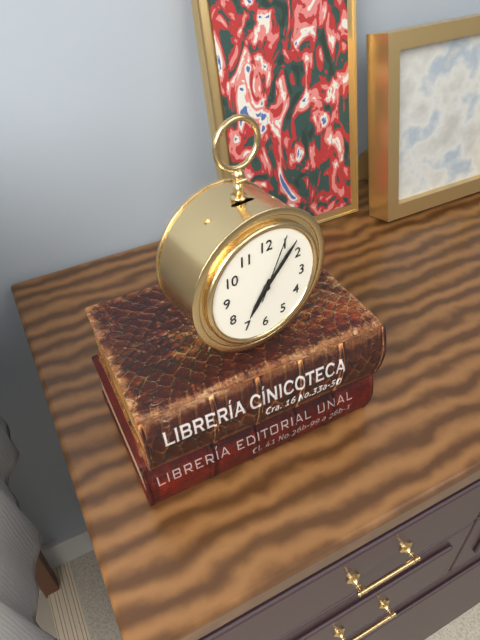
7:07:04
